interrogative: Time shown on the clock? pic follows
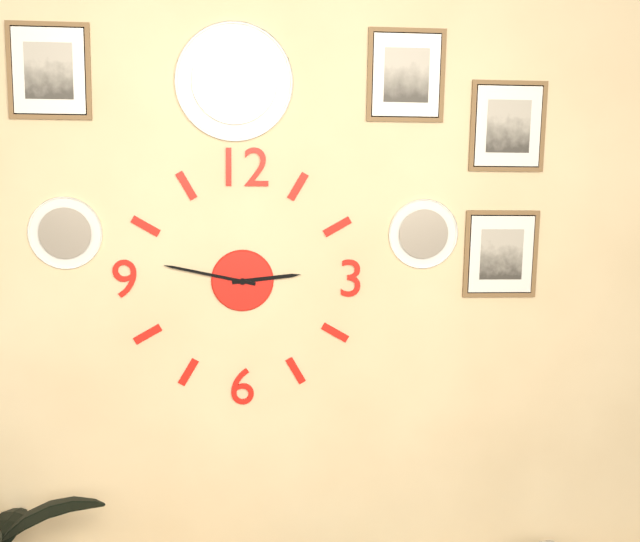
2:47
